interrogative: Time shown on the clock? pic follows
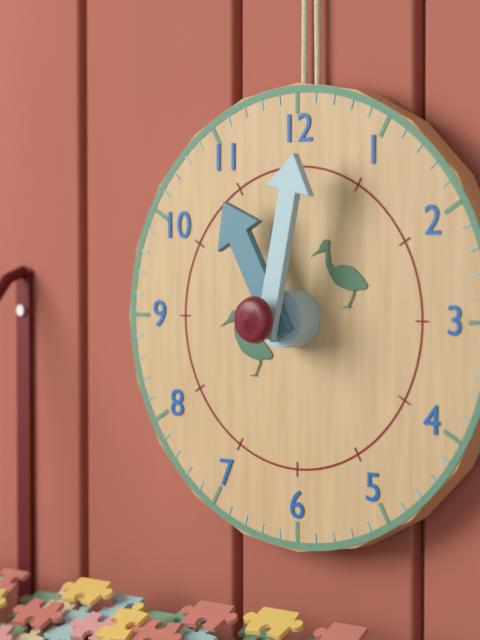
11:02
